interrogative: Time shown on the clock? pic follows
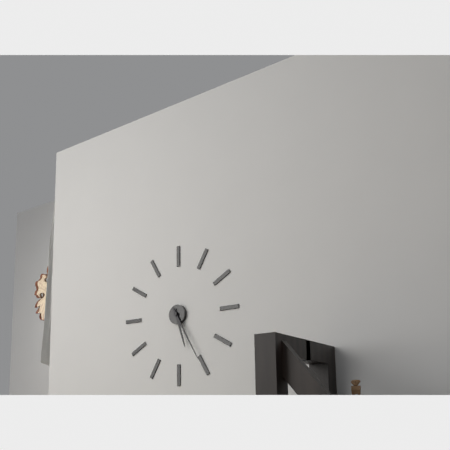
5:25
